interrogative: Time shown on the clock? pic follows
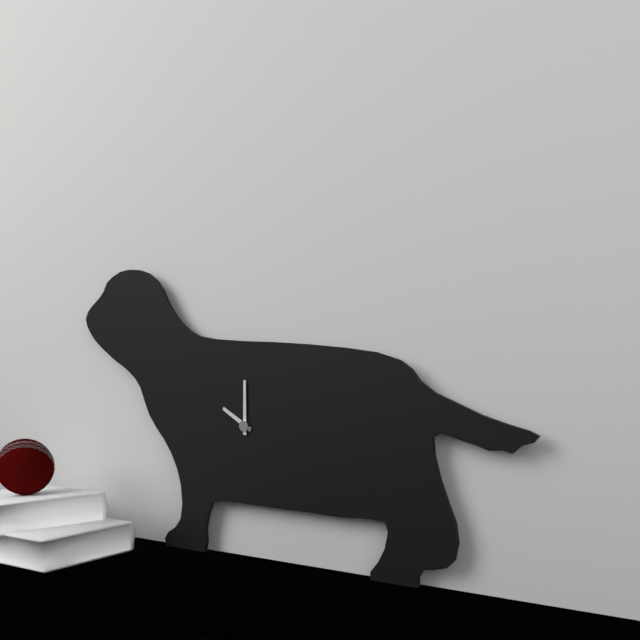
10:00
